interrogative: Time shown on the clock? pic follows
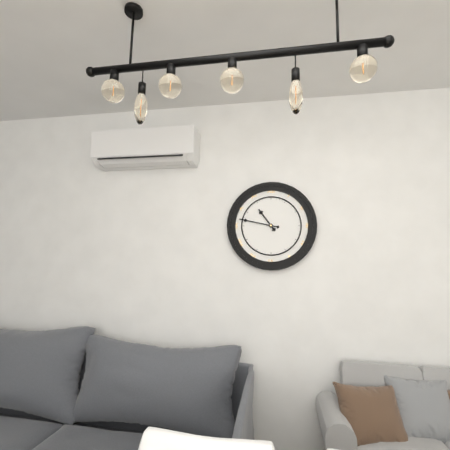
10:47
